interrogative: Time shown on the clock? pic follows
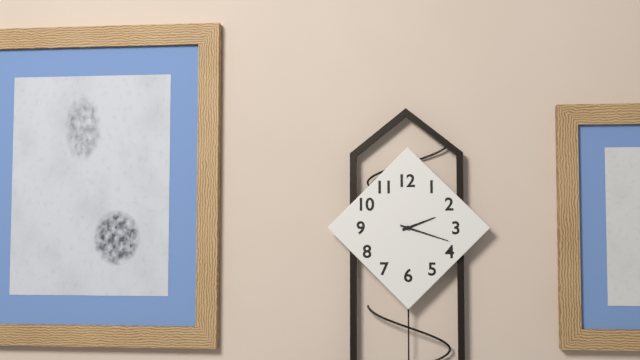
2:18
